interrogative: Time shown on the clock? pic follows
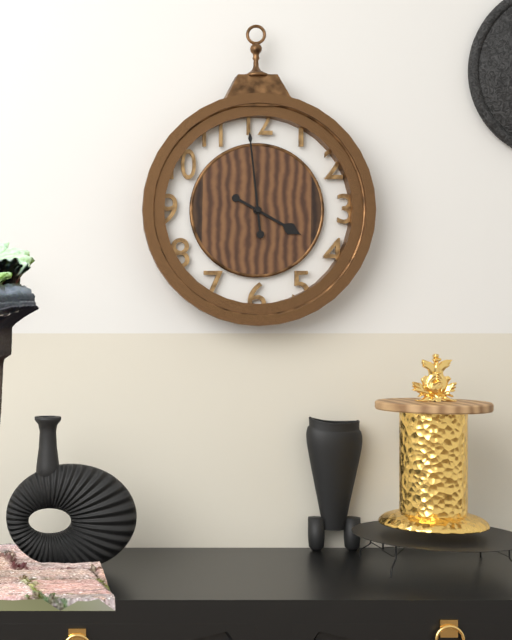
3:59
